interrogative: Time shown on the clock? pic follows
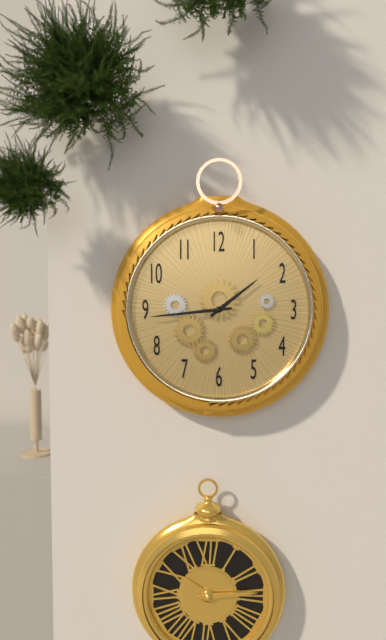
1:44
